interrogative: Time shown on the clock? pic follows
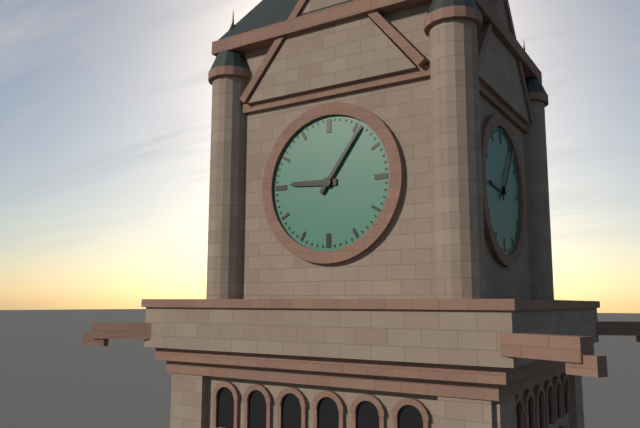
9:06
